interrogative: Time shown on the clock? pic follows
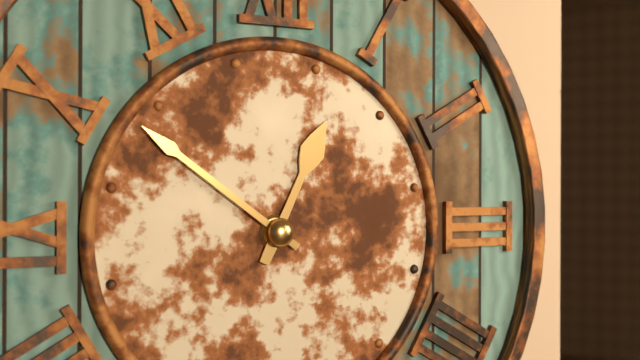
12:51
